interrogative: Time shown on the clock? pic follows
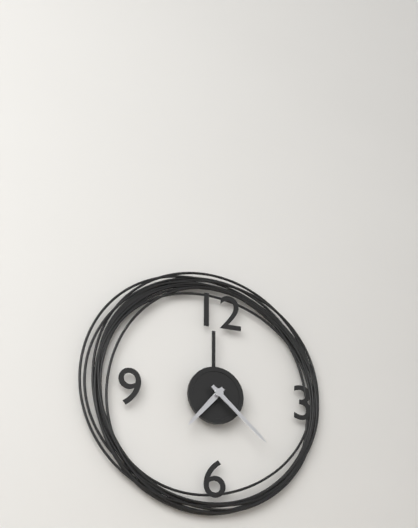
7:22
